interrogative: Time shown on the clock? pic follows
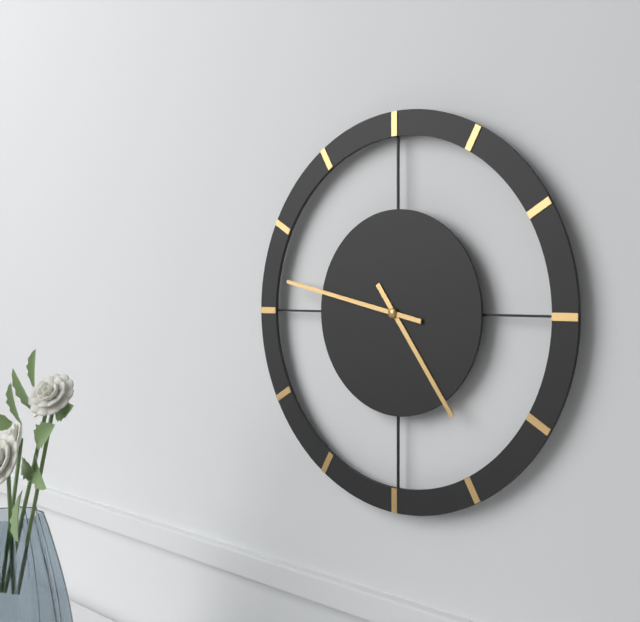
4:47
